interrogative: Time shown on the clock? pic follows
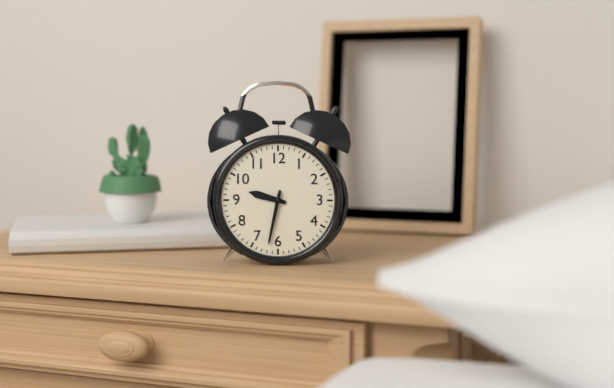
9:32
